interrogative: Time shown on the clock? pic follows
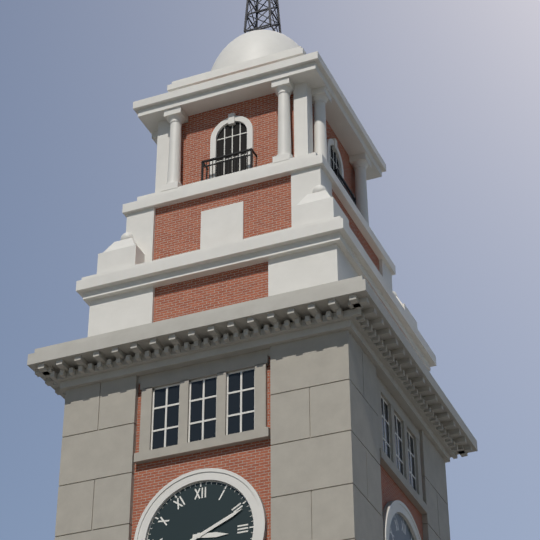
3:11
